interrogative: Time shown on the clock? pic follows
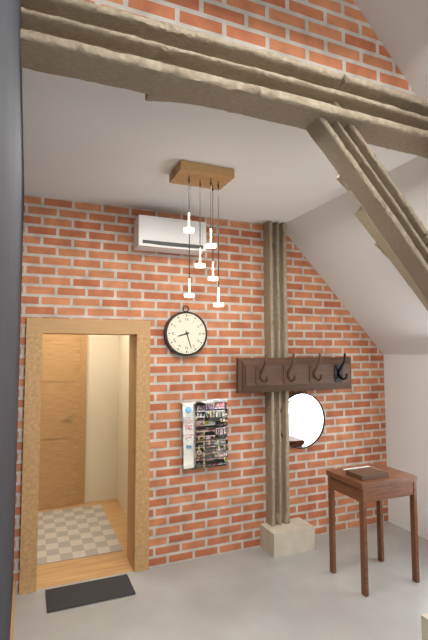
8:27
